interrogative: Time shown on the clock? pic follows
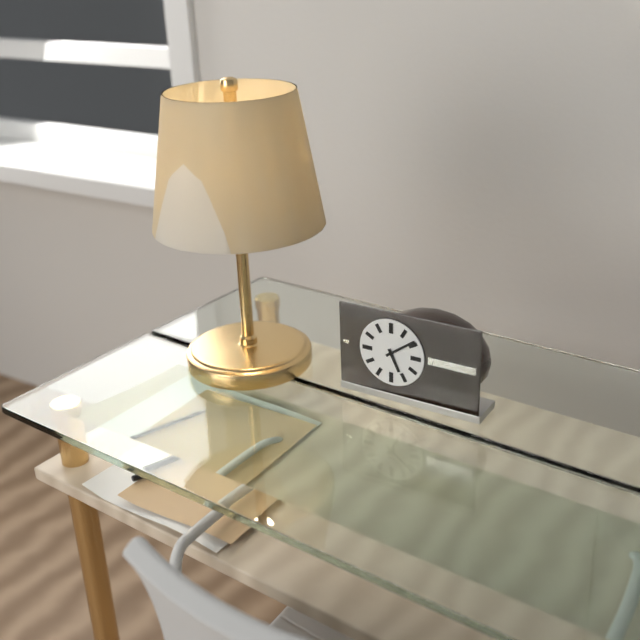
5:09
